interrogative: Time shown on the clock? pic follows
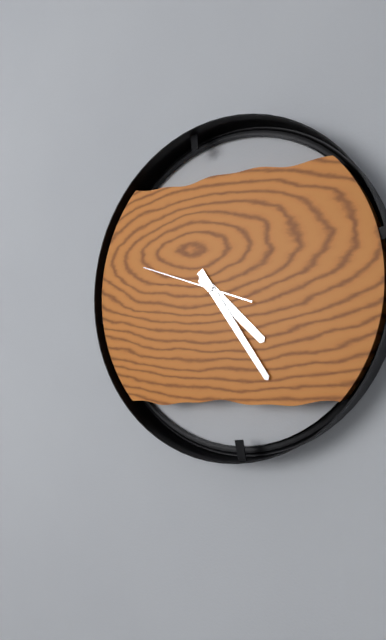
4:24:48
